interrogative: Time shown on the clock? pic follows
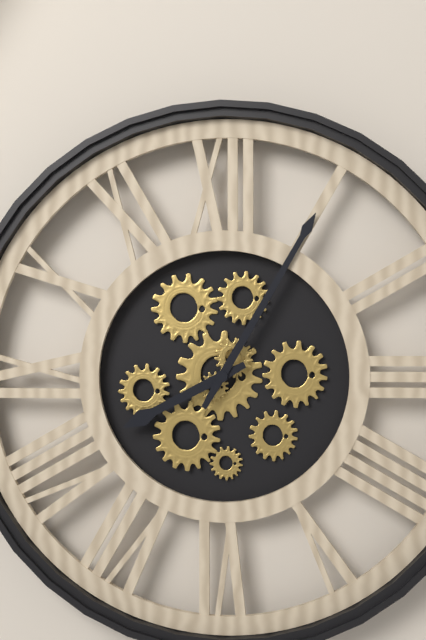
8:05
